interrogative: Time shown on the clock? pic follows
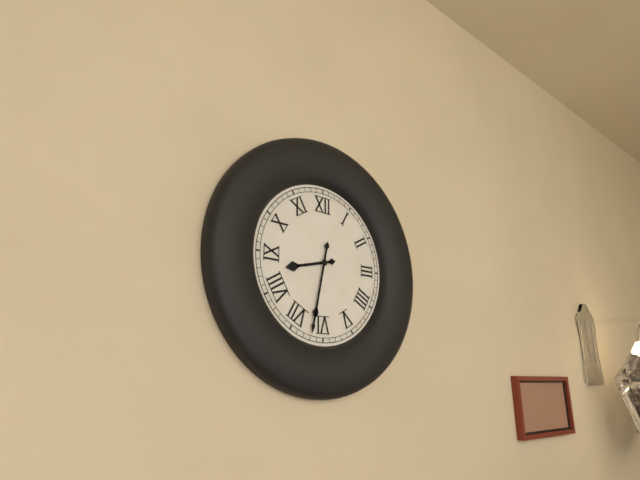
8:32
